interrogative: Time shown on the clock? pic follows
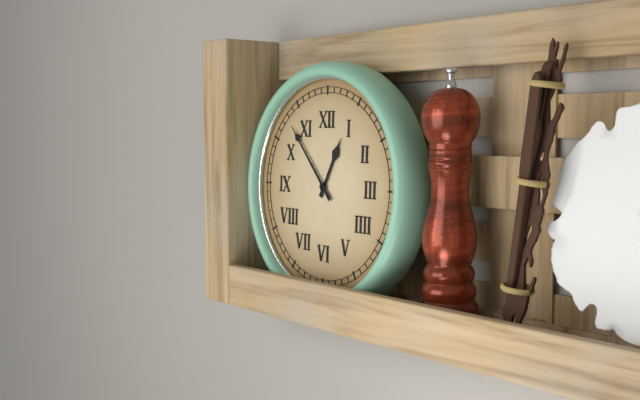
12:53
